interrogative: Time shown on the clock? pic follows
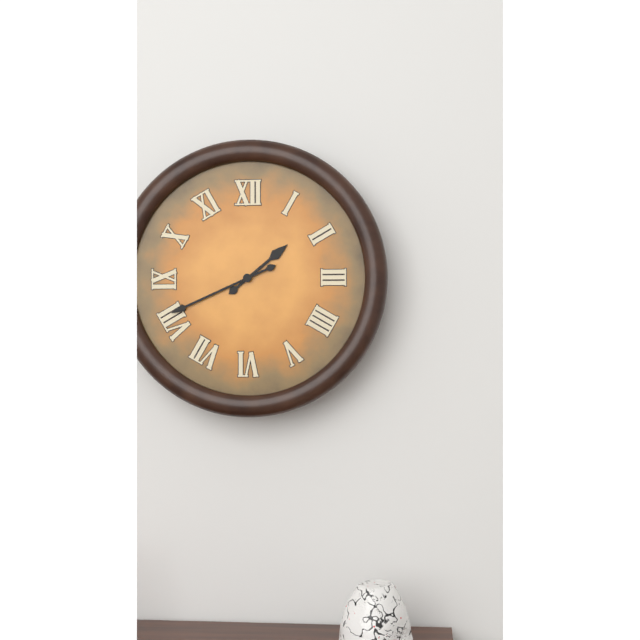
1:41
